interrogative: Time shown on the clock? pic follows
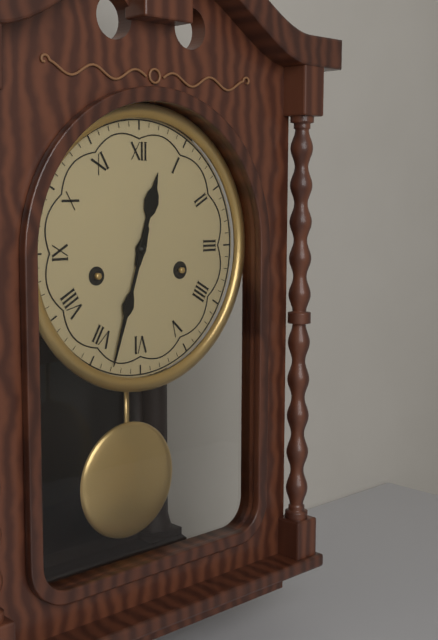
12:33
